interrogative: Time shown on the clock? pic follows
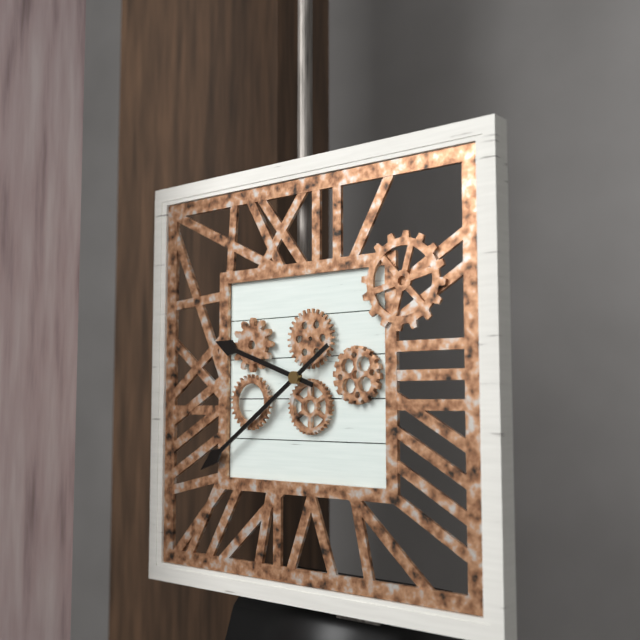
9:39
